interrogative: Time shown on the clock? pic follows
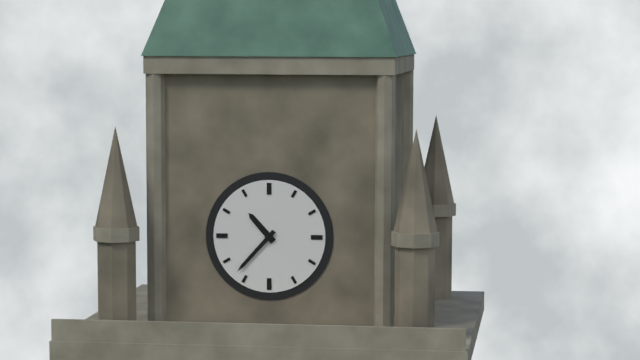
10:37
